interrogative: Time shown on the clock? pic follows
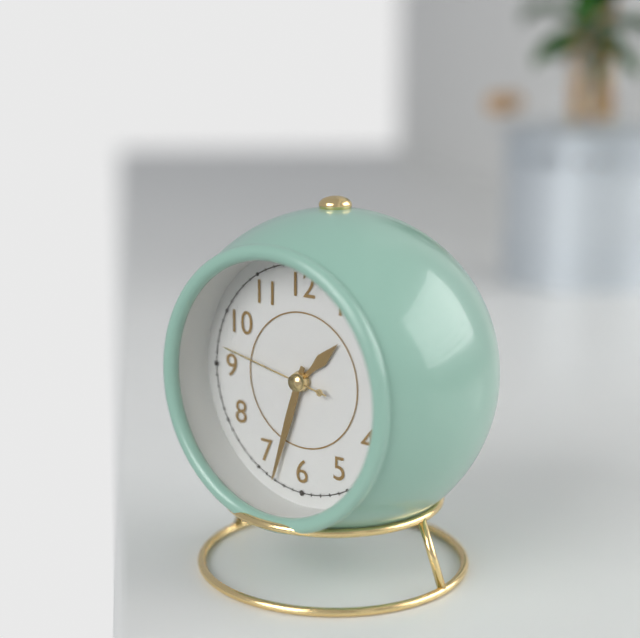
1:33:47
